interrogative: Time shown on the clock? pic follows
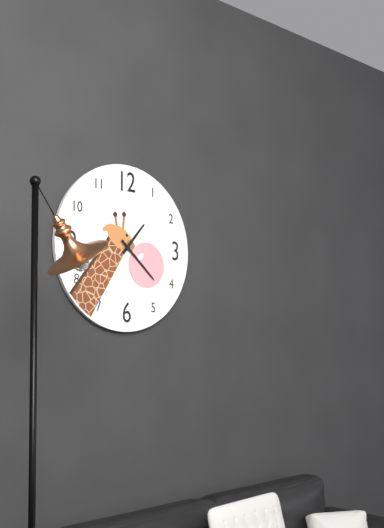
1:22
